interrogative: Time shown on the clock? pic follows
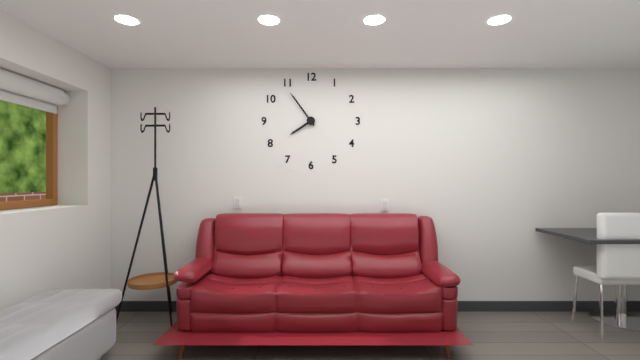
7:54
